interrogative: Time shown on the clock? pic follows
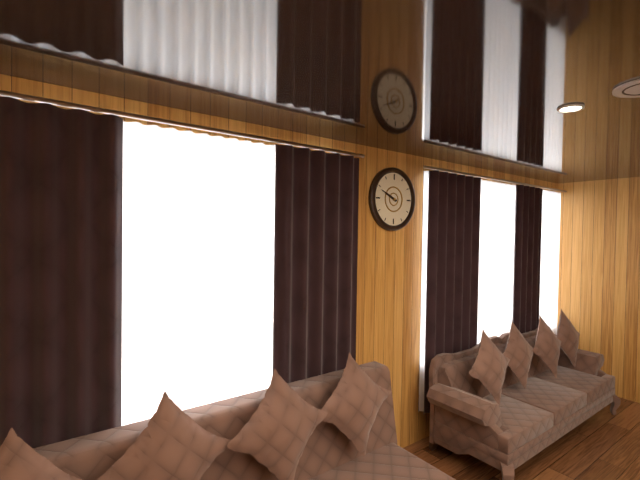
9:49
